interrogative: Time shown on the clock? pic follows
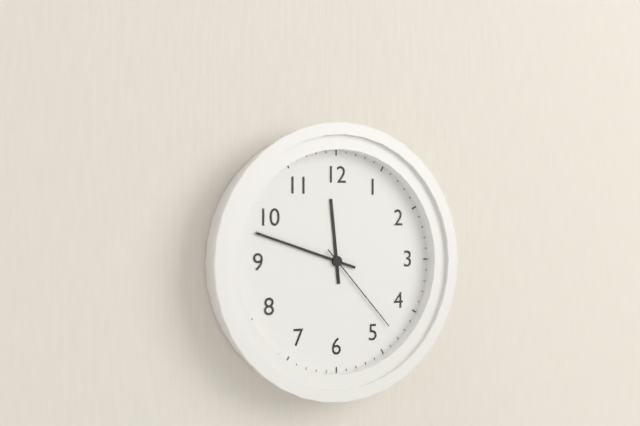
11:48:23
